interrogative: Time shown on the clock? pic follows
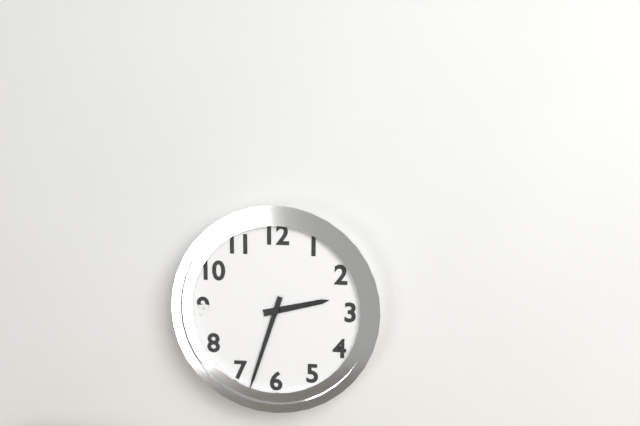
2:33
